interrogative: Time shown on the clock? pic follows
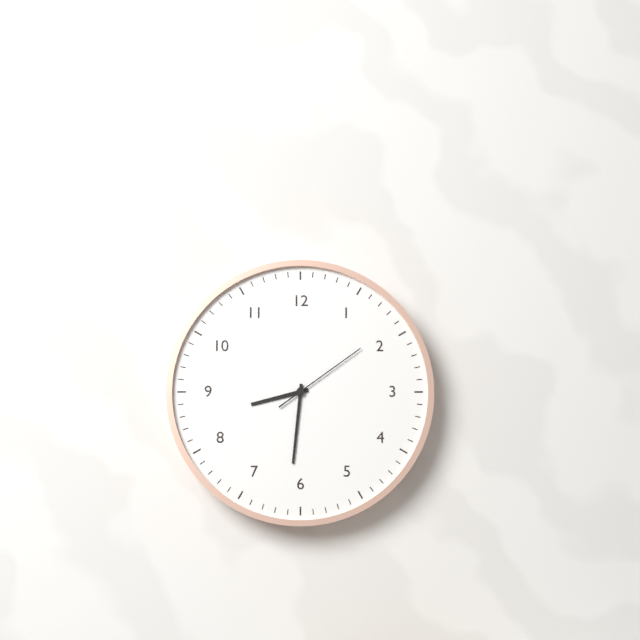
8:31:09
